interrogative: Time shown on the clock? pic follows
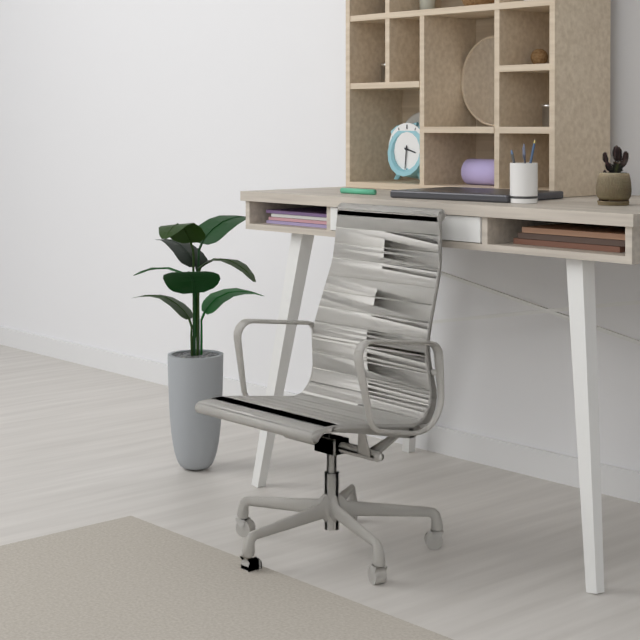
3:31
